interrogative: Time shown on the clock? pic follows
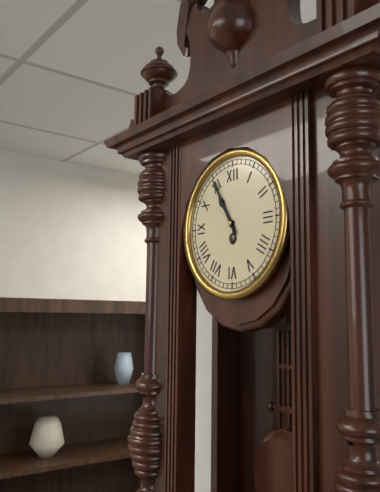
10:55
